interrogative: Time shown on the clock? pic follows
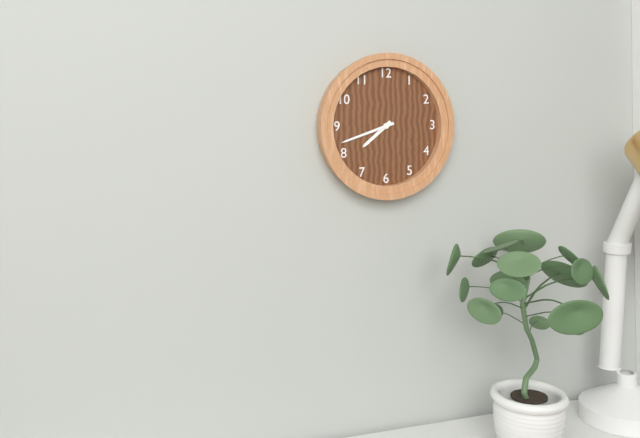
7:42
